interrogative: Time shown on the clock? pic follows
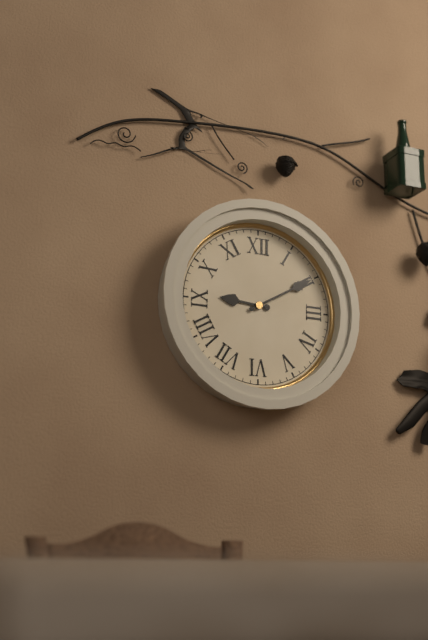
9:10
